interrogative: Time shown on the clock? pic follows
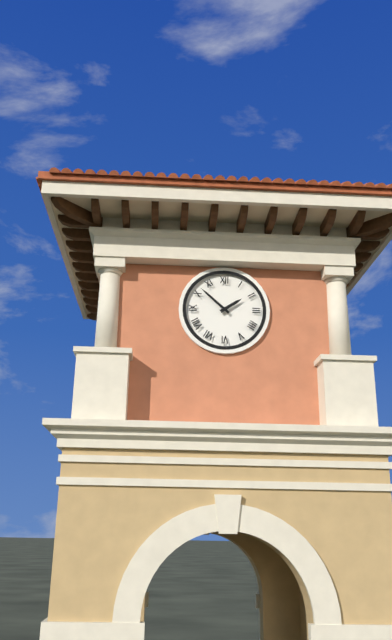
1:52
